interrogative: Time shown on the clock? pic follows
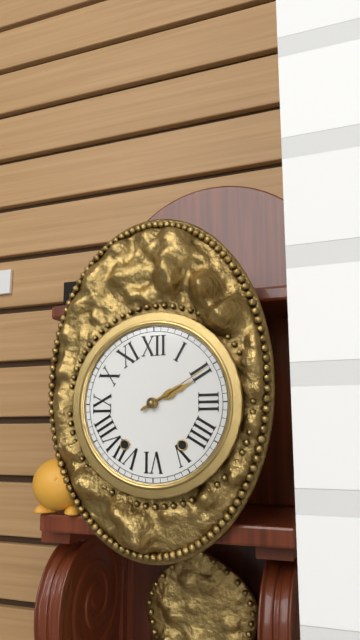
2:10
